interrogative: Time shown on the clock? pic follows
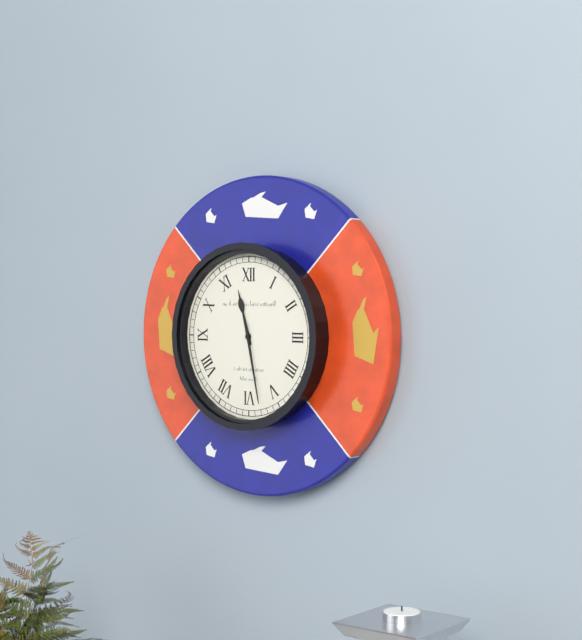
11:28
